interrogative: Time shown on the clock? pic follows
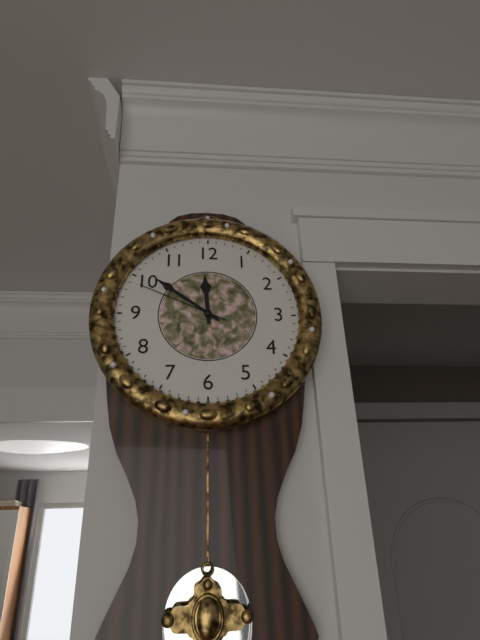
11:51:49
